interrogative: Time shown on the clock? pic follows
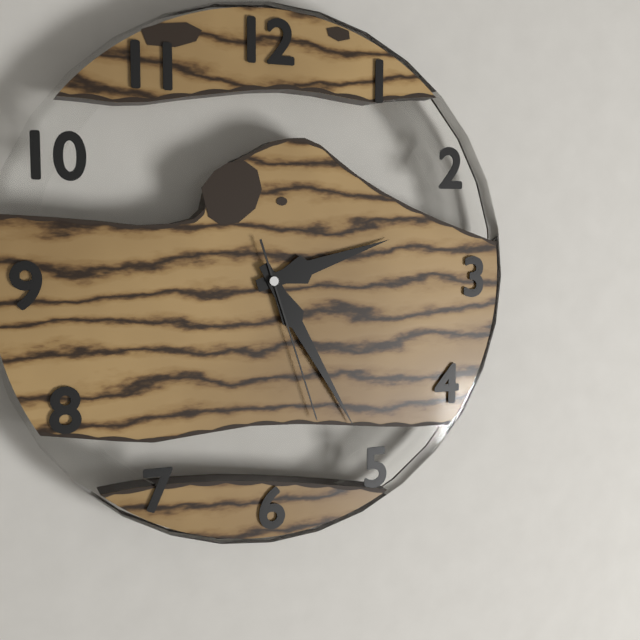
2:25:27
